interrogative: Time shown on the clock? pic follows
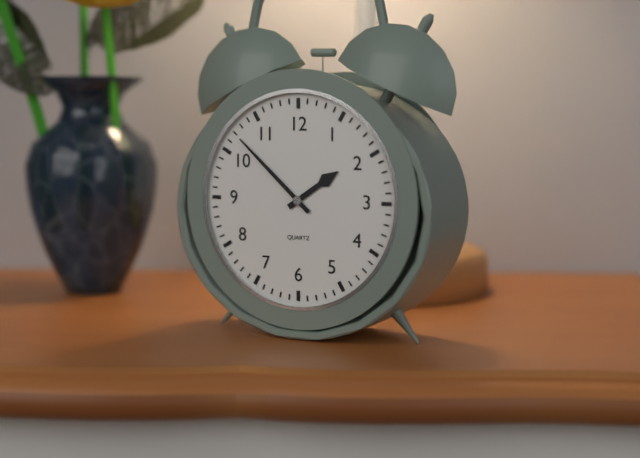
1:52
